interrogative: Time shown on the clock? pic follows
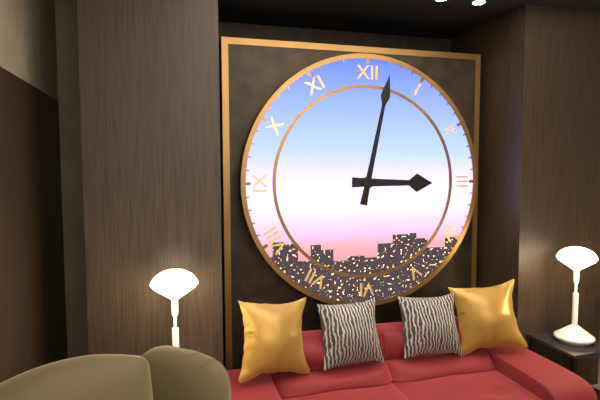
3:02
